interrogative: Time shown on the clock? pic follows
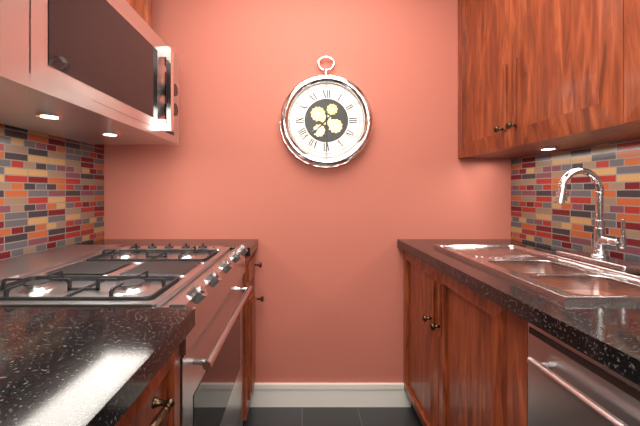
7:30
